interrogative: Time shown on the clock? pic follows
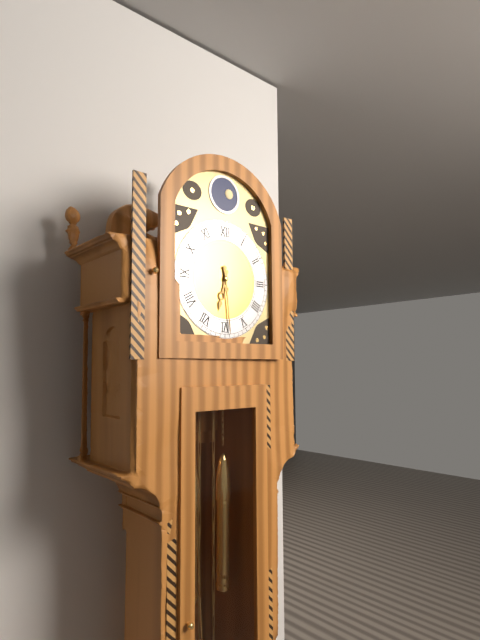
6:29
